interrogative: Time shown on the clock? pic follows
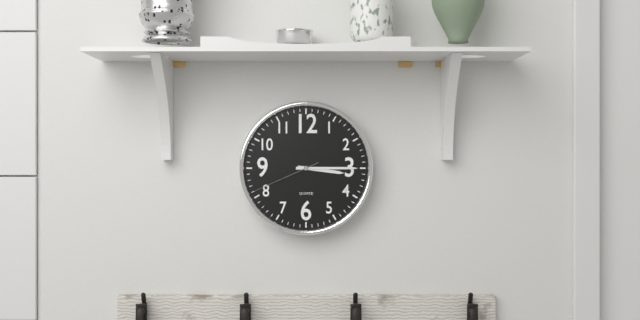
3:15:41
